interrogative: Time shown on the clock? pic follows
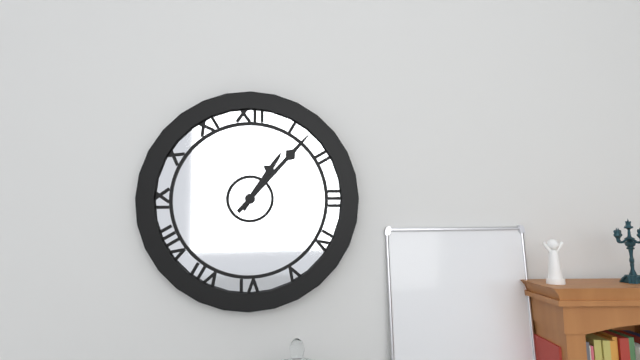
1:07
